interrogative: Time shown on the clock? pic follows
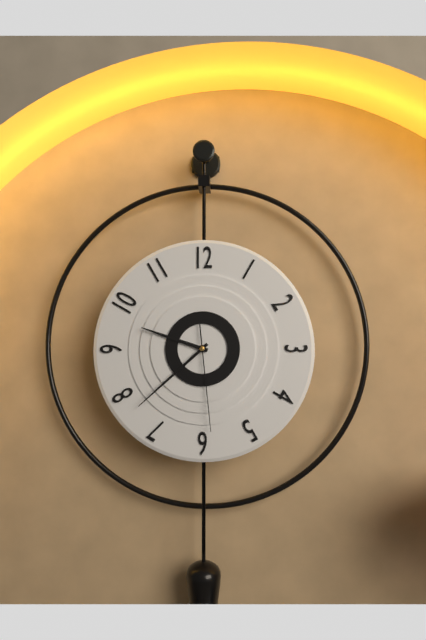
9:38:29
